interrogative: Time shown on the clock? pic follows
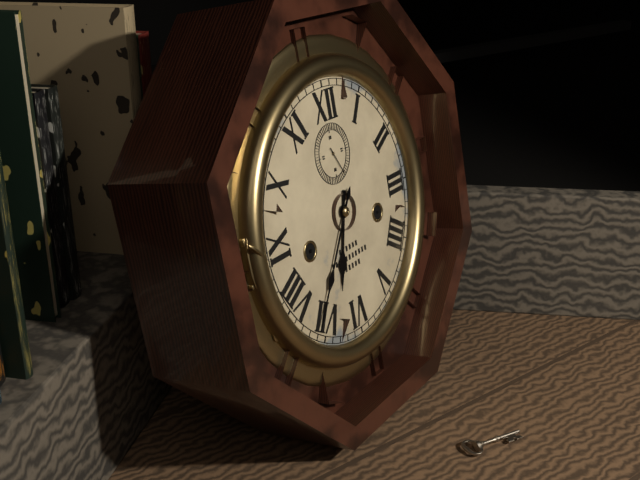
6:36
